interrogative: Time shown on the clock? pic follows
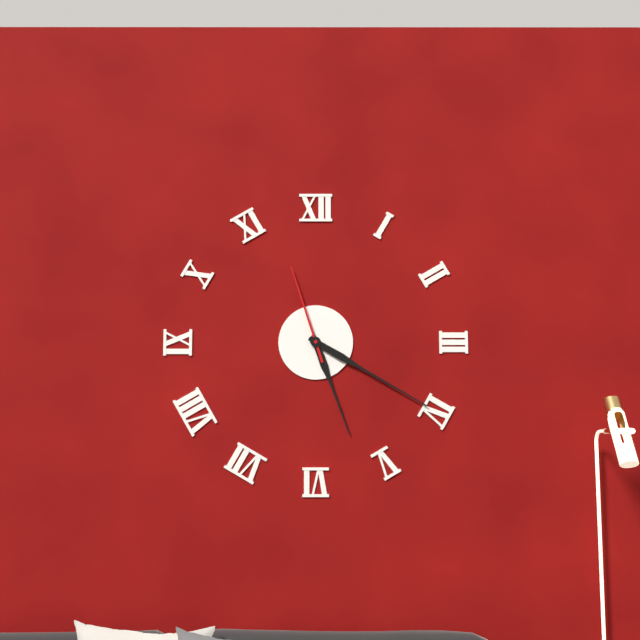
5:20:57
